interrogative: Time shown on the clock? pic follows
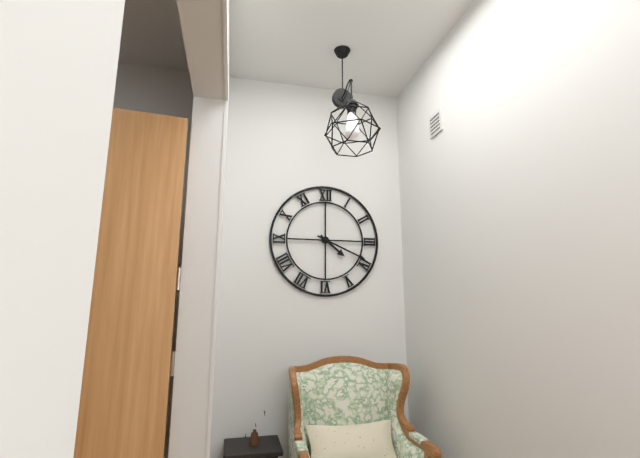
4:19
